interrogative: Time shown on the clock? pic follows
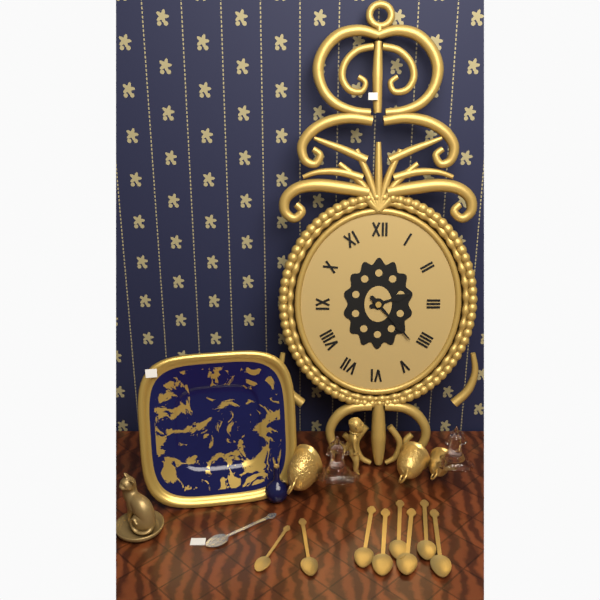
2:23
